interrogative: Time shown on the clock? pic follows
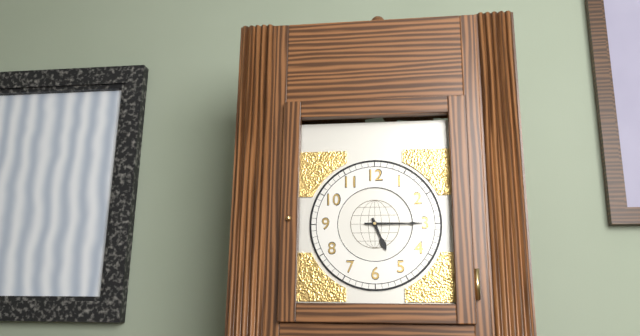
5:15
